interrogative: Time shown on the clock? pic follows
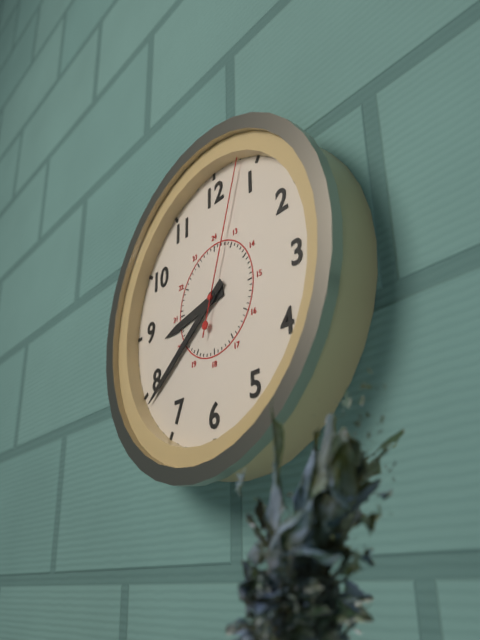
8:39:03
